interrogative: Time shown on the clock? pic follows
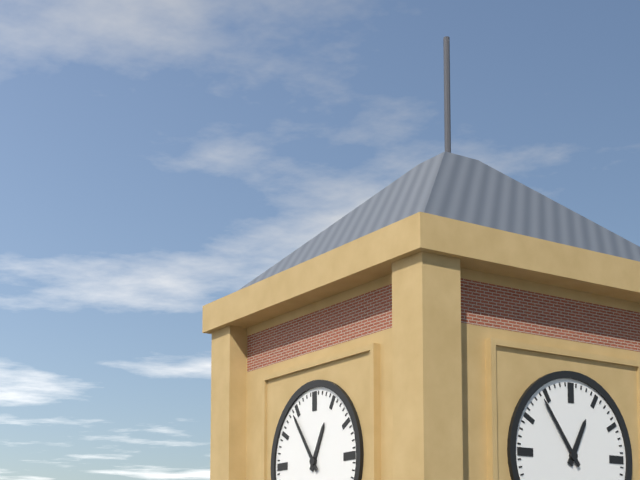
12:54
